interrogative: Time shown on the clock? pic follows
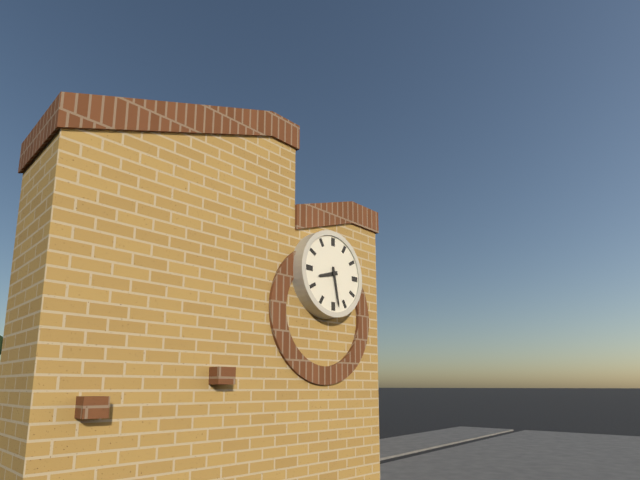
8:28
